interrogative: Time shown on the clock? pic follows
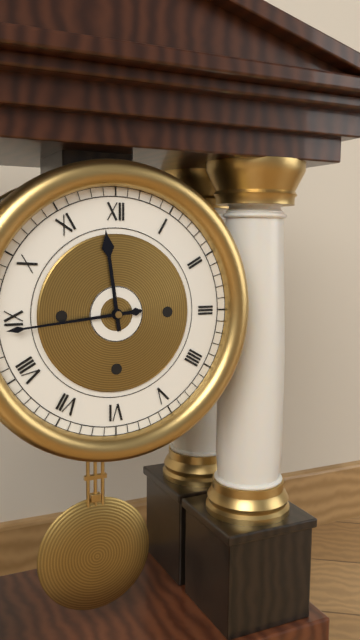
11:44
